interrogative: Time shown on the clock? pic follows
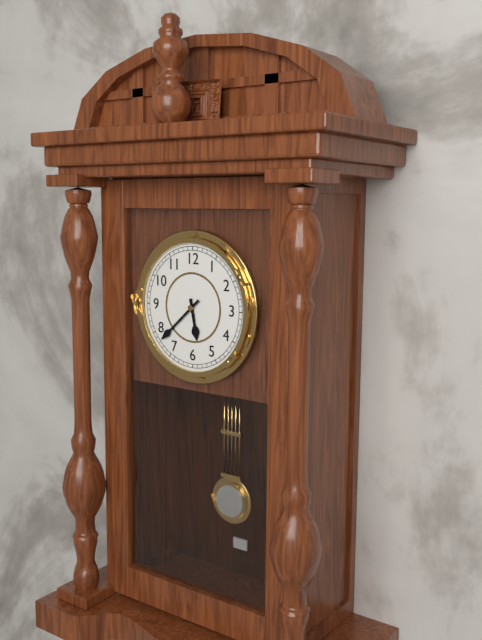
5:38
